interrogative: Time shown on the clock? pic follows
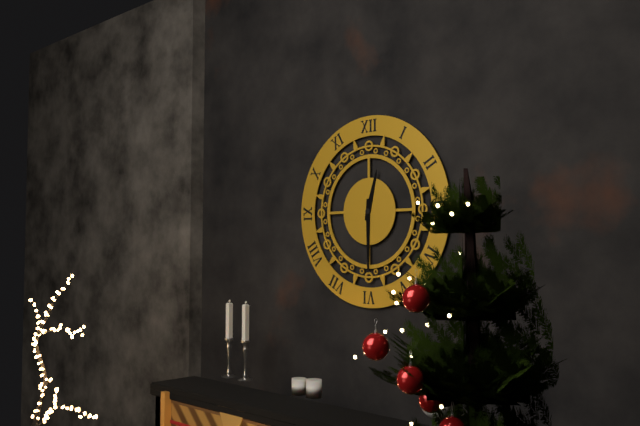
12:30
